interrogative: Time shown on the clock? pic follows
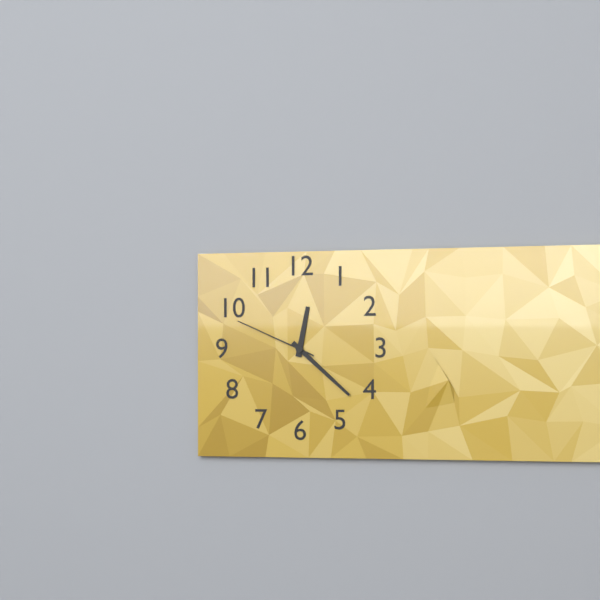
12:22:49
